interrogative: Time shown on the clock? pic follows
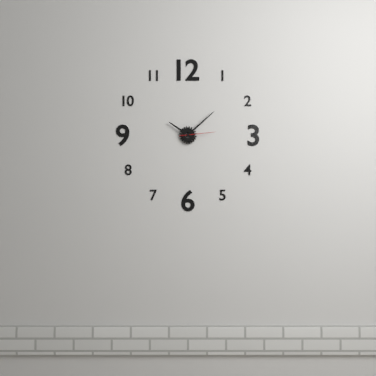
10:08
